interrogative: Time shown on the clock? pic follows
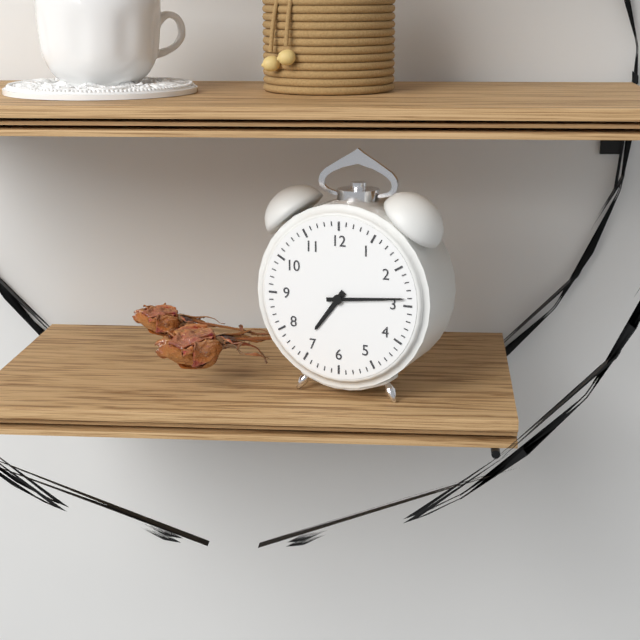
7:14
